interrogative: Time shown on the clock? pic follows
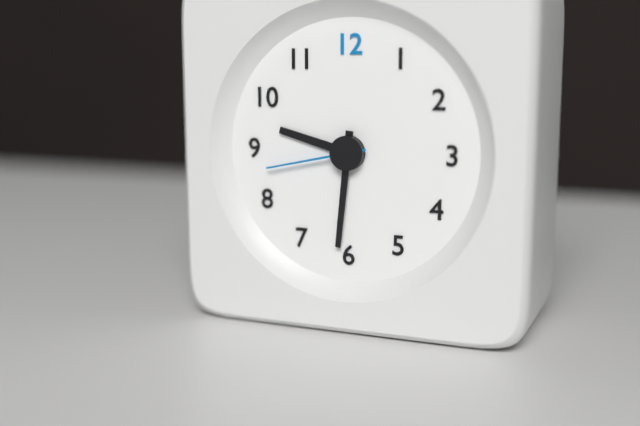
9:31:43
